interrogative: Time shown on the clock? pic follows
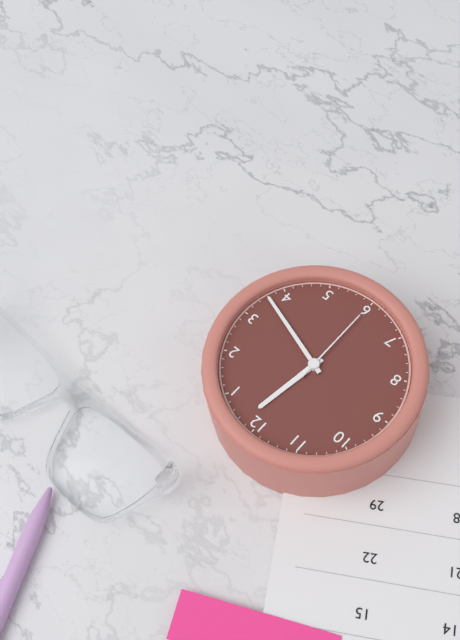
12:18:30
